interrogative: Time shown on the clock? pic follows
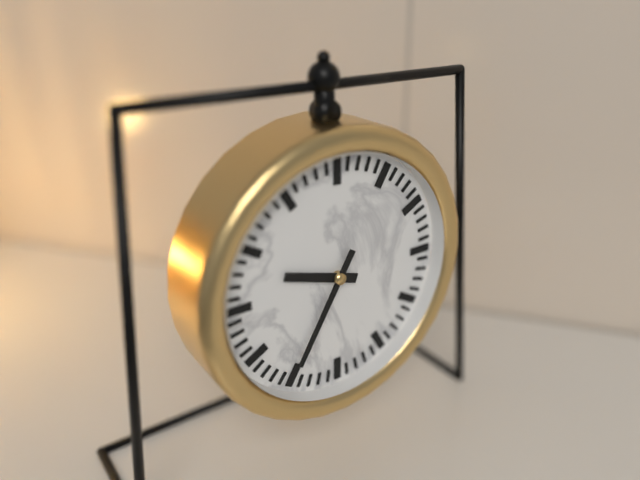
9:35
